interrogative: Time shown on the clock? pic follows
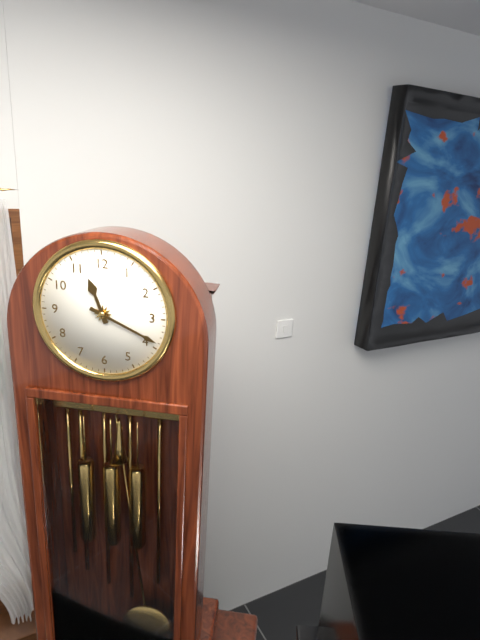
11:19
